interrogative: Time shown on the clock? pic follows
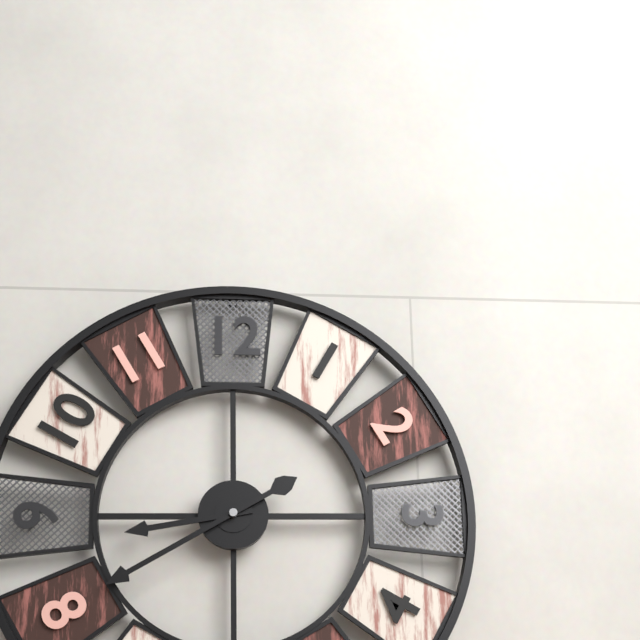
8:40
